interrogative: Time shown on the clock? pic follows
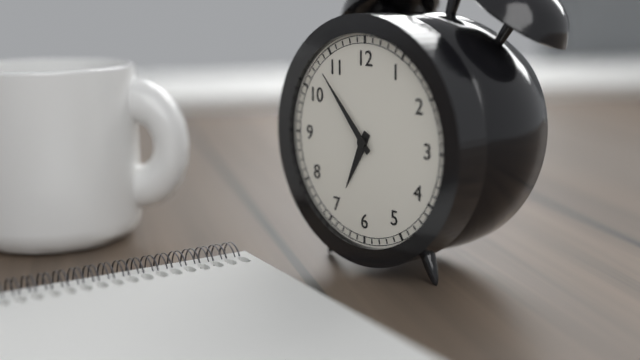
6:53
